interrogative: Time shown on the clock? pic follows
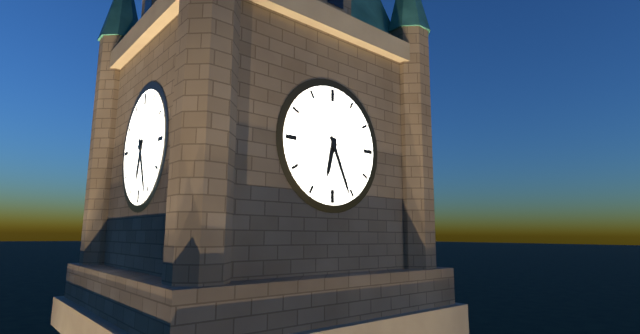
6:26
